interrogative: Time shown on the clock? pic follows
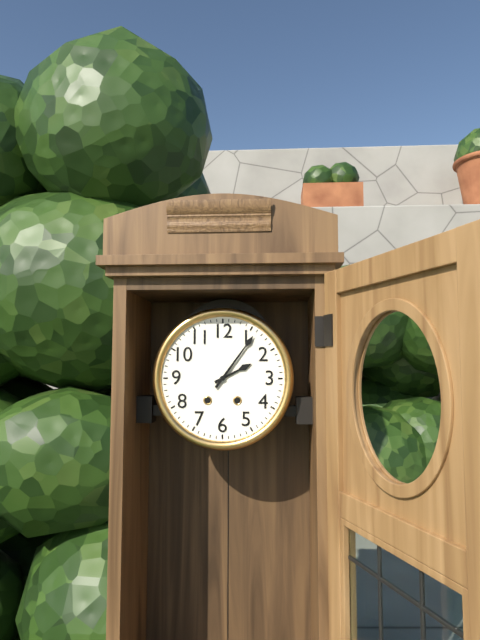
2:06
